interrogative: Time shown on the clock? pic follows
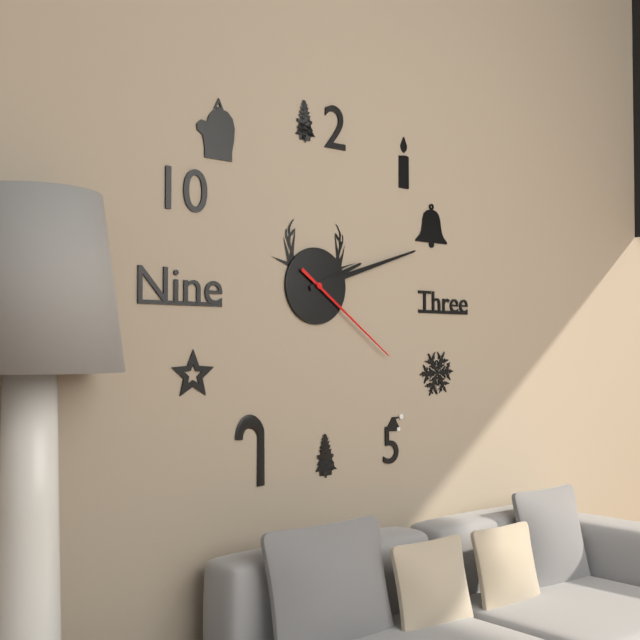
2:12:21
